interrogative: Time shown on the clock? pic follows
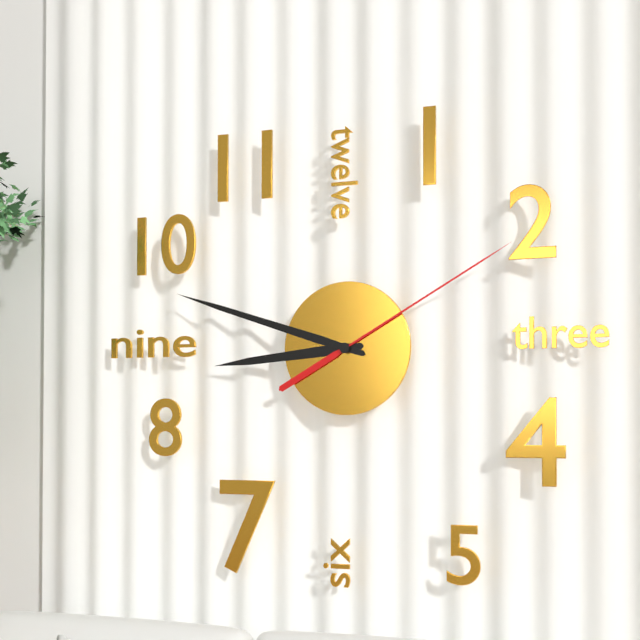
8:48:10
